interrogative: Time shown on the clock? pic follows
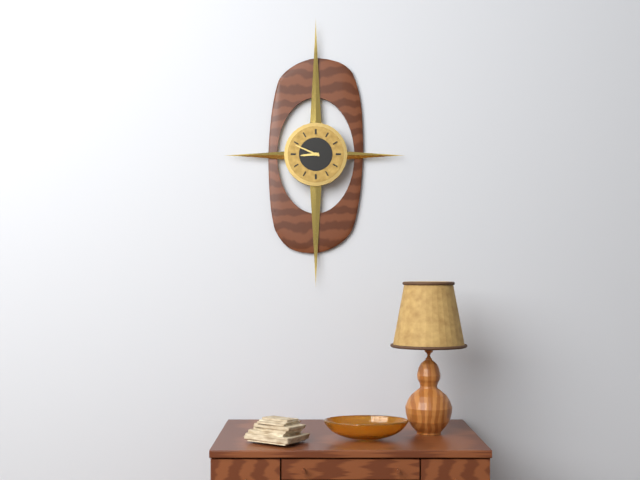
8:49
